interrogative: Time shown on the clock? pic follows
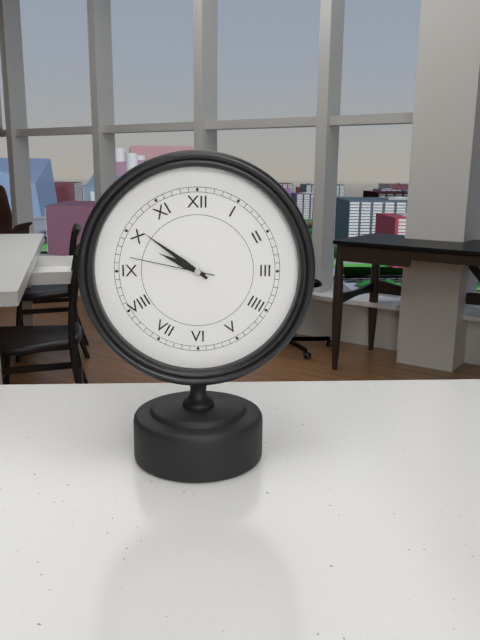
9:51:47
